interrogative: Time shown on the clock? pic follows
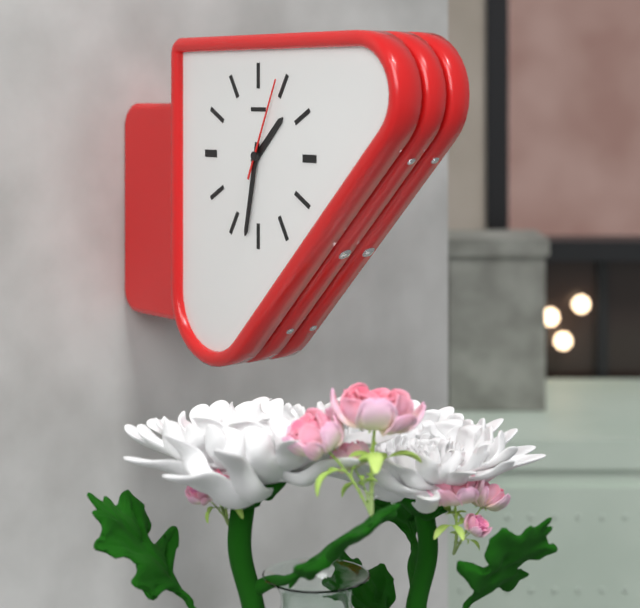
1:32:04
